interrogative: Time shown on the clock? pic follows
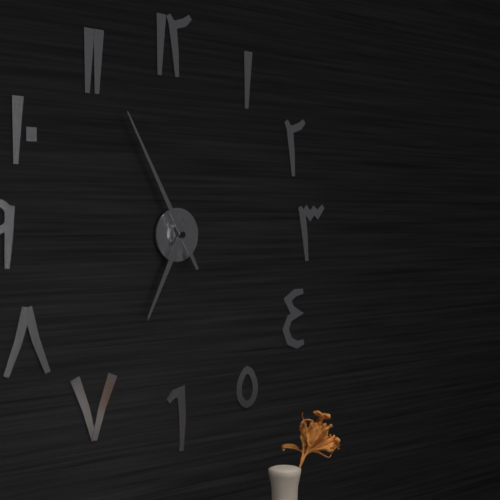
6:55
